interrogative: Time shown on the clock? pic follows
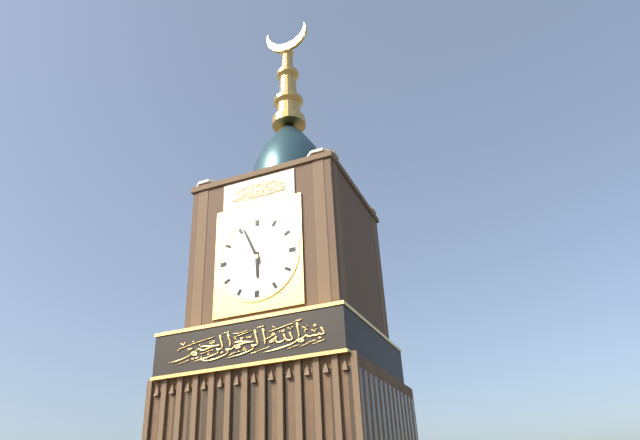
5:56
